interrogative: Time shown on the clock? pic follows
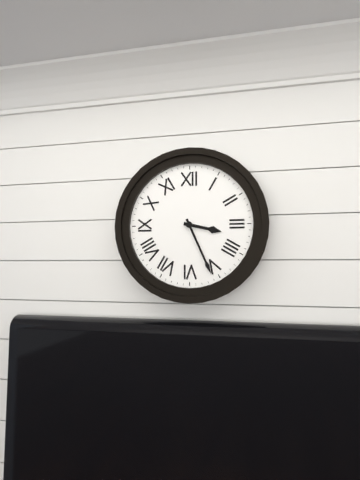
3:26
